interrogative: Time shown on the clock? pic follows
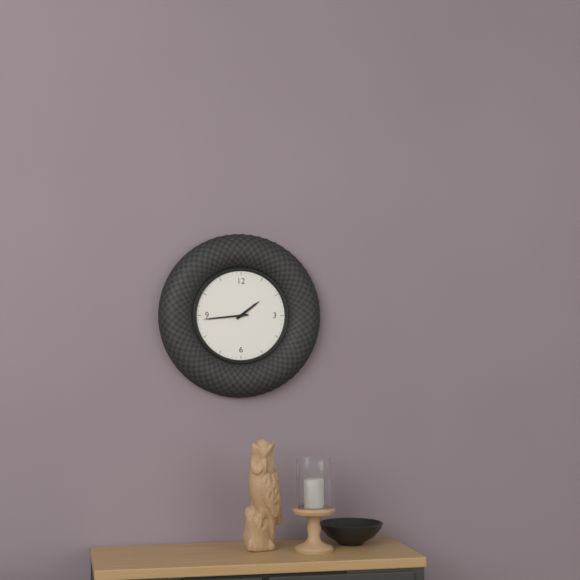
1:44
